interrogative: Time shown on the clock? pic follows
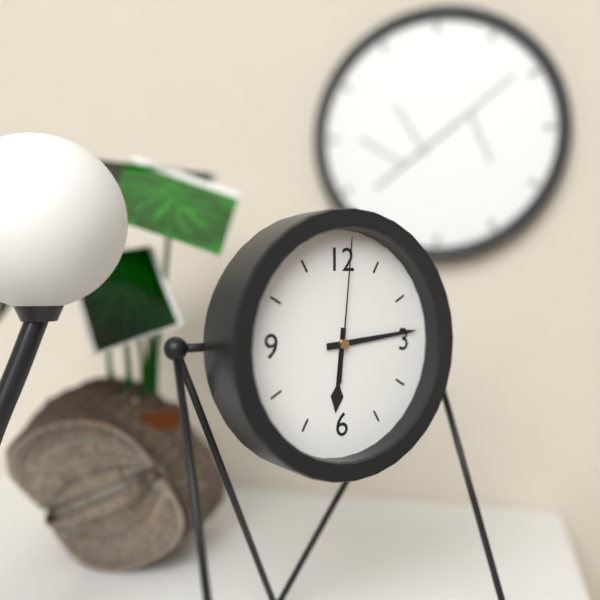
6:14:01
